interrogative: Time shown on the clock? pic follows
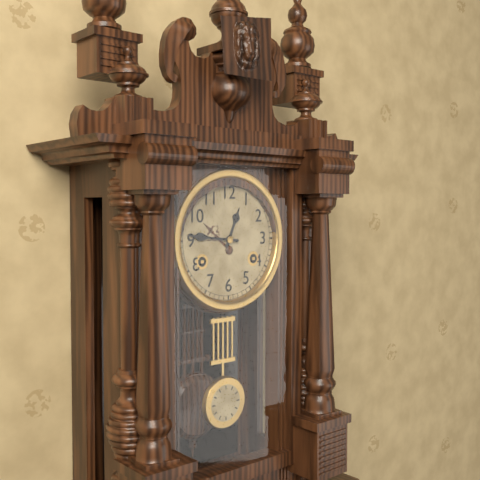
12:46
